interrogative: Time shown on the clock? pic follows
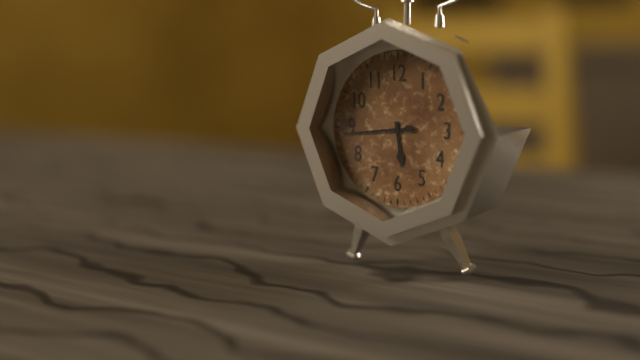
5:44
